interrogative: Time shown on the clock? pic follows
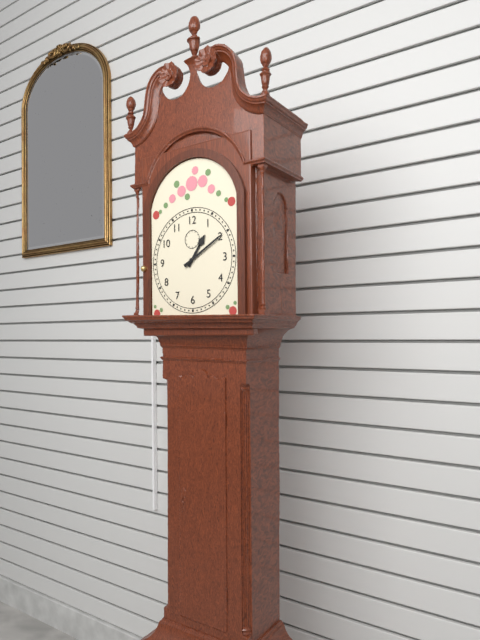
1:10
